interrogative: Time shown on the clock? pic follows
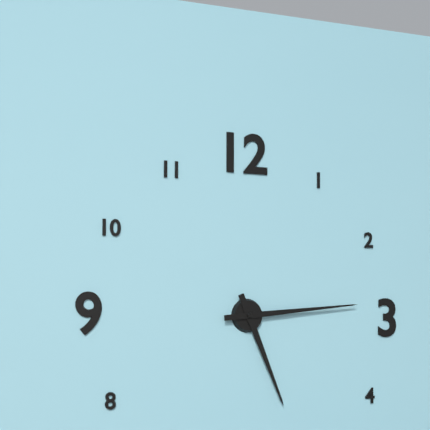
5:14
